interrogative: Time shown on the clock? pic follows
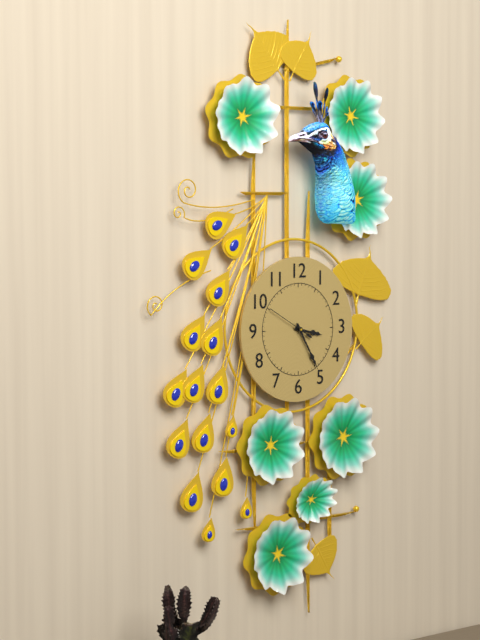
3:25
